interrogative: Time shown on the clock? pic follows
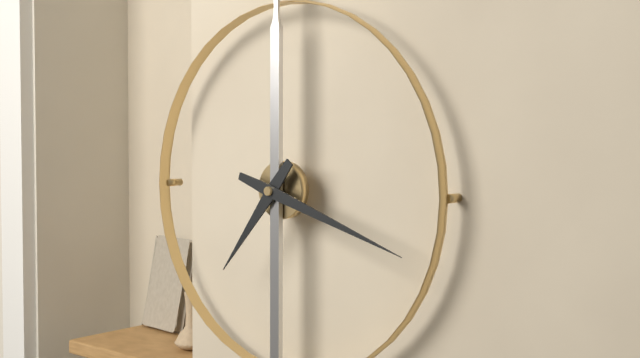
7:18
